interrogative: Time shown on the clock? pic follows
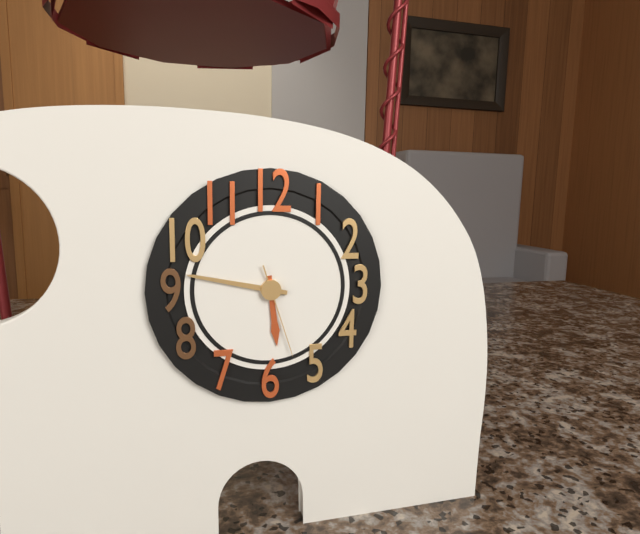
5:47:27
